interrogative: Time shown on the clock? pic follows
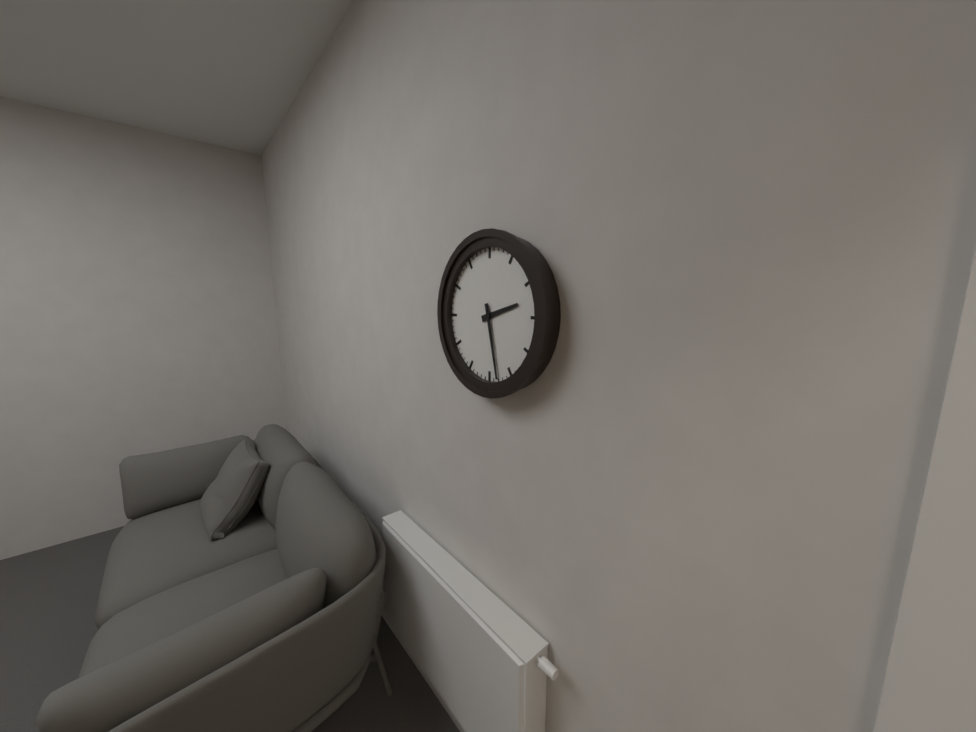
2:28
